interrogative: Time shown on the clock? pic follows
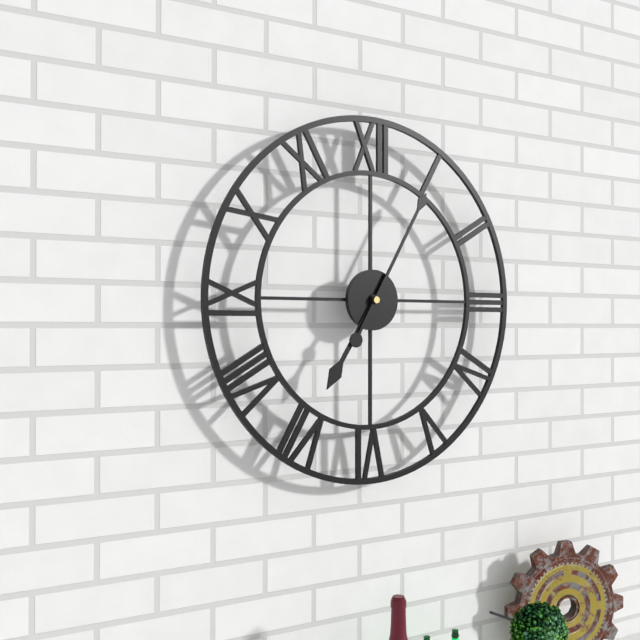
7:05
